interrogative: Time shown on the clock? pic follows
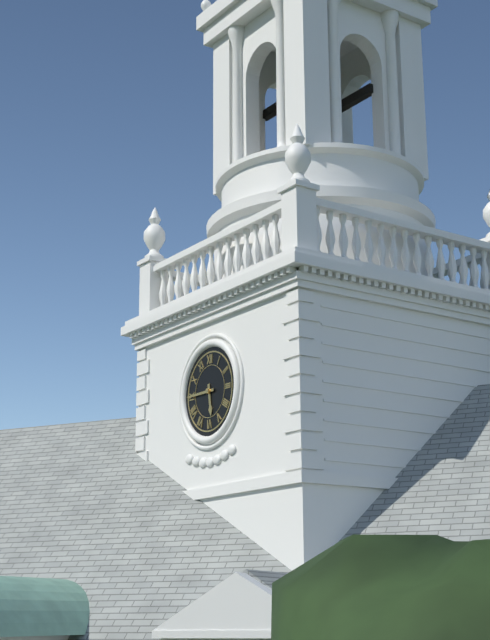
5:45
